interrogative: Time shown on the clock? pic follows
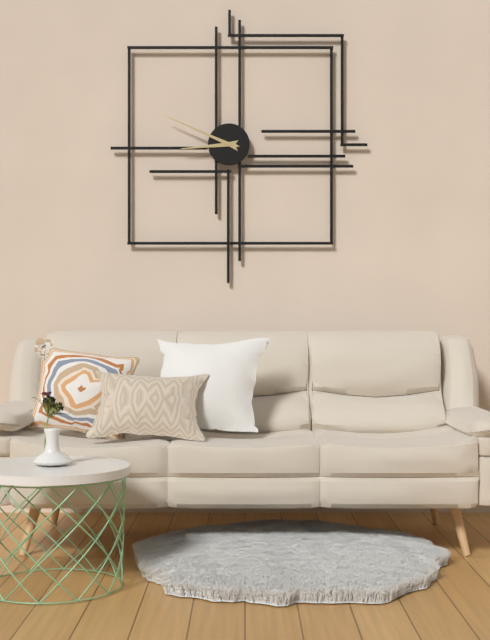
8:49
